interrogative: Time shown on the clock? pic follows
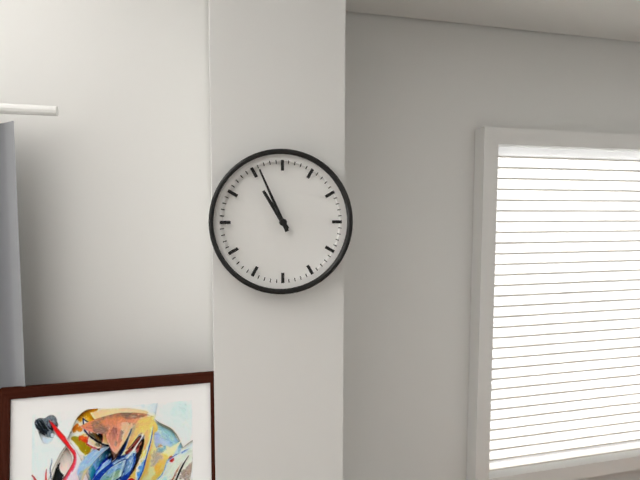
10:56
